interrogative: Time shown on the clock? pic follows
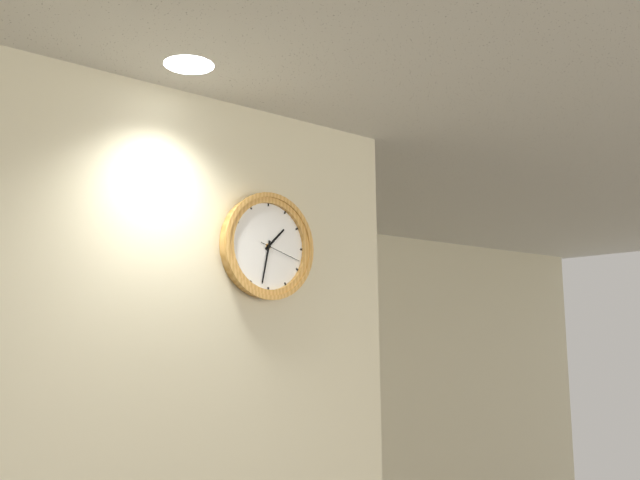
1:32
